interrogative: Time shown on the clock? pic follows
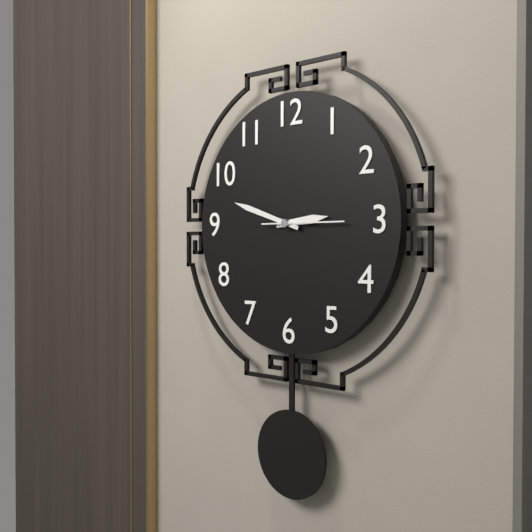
2:48:15
